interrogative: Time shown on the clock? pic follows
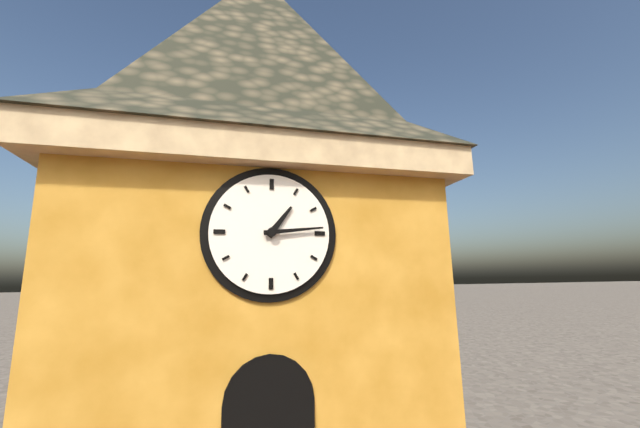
1:14
